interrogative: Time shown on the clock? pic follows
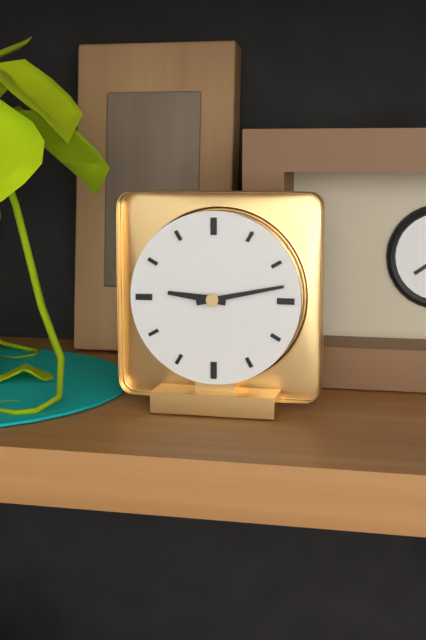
9:13
